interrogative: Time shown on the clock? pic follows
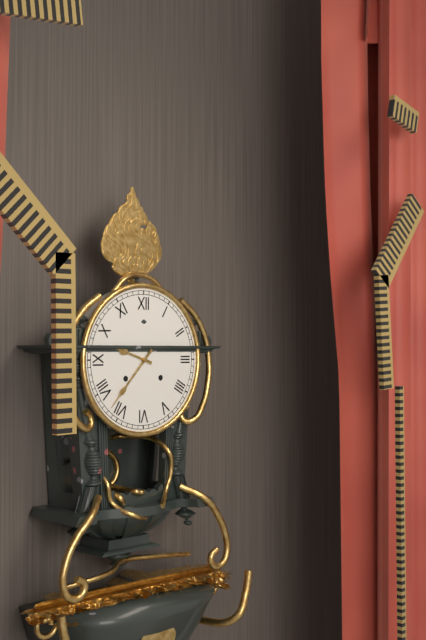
9:37
